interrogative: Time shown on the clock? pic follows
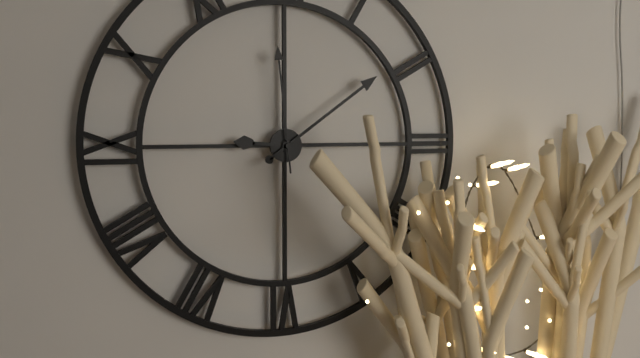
9:09:59
